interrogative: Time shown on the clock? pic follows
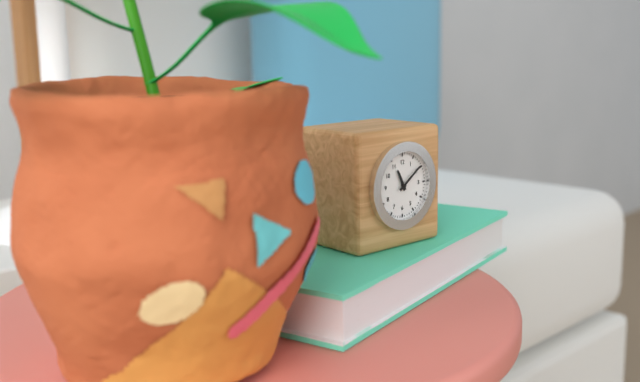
11:09
